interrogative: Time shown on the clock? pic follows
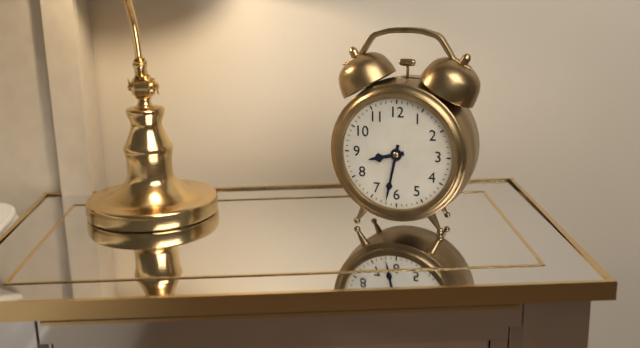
8:32
